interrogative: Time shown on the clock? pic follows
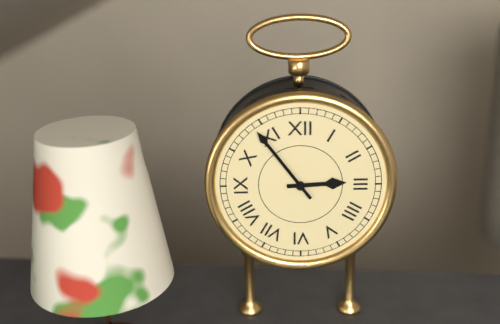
2:54
